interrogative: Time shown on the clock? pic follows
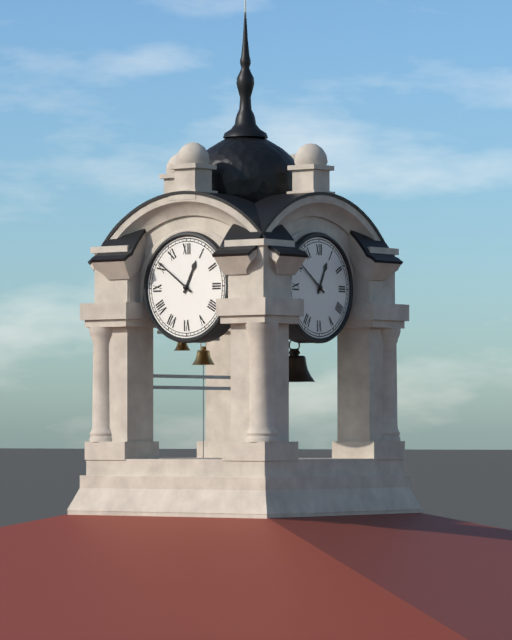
12:51
